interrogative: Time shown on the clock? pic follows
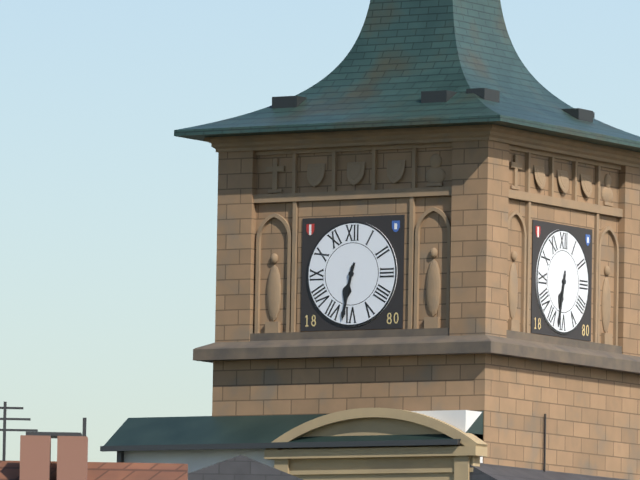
6:32
